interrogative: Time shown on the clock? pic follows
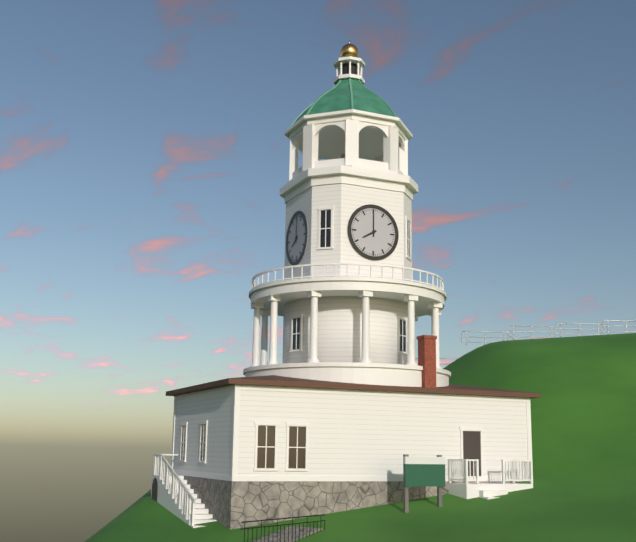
8:00
